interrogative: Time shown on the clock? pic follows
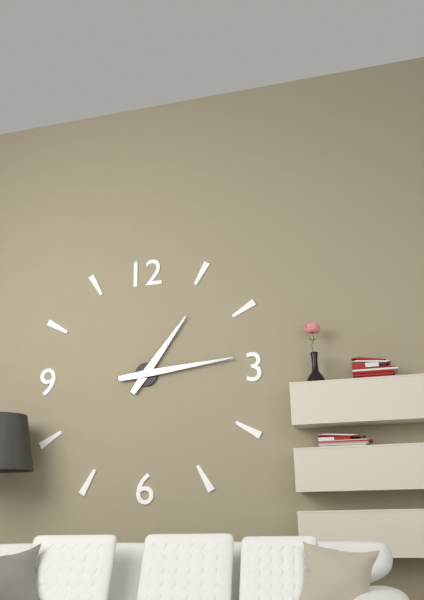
1:14
